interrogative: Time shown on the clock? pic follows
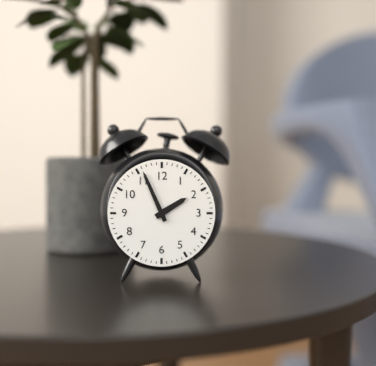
1:56
